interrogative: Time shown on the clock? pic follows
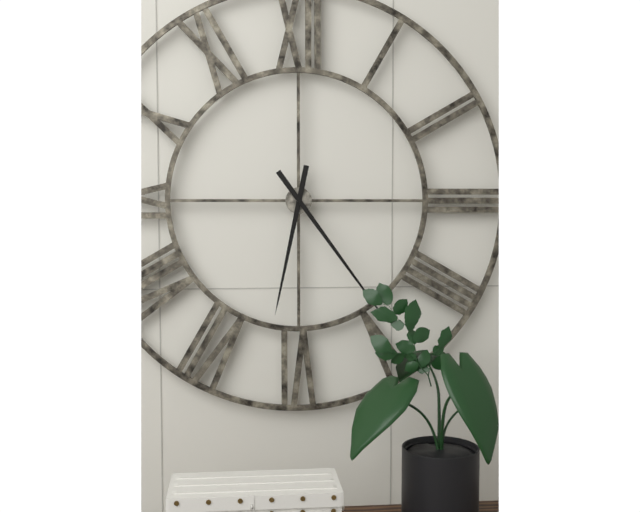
6:24
